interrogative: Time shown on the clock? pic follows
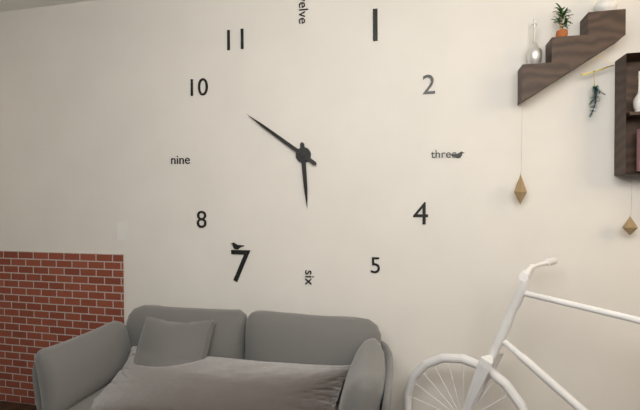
5:51
